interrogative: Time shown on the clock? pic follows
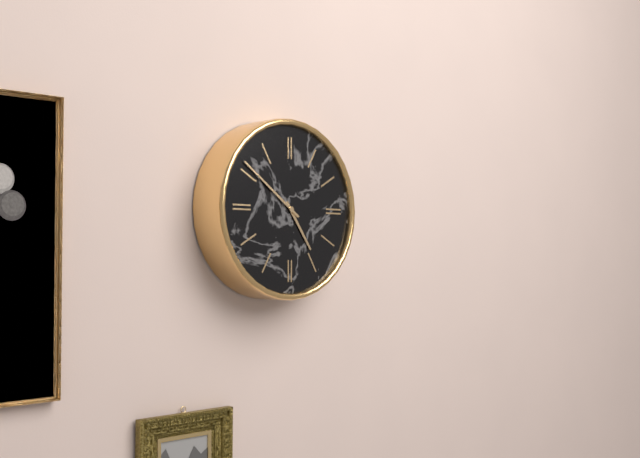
4:51
